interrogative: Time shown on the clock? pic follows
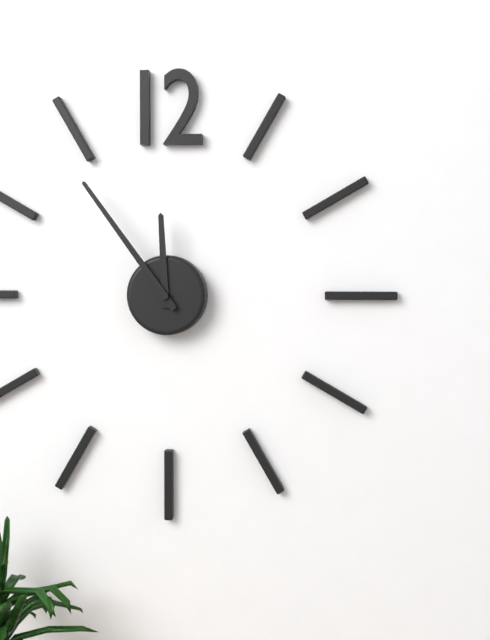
11:54
